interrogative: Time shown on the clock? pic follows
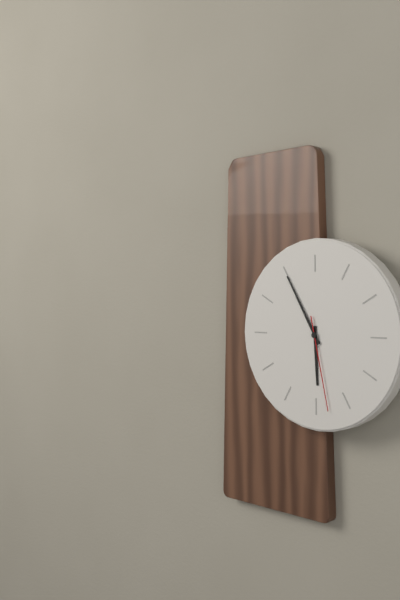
5:55:28
